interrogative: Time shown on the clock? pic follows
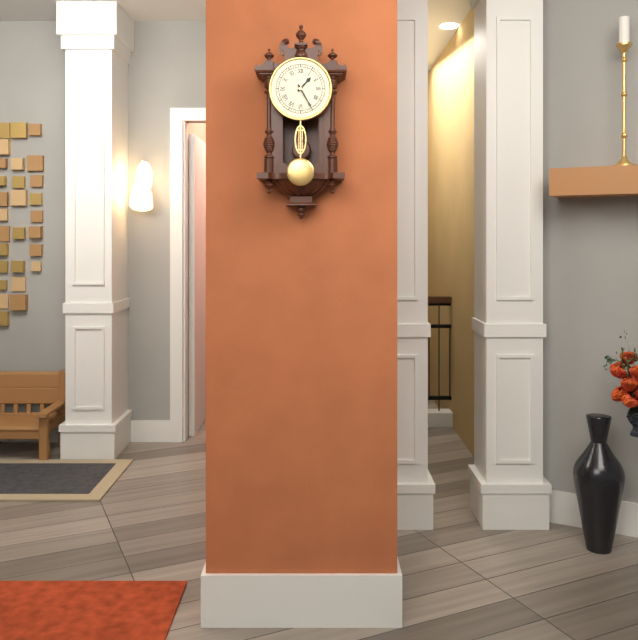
1:25
